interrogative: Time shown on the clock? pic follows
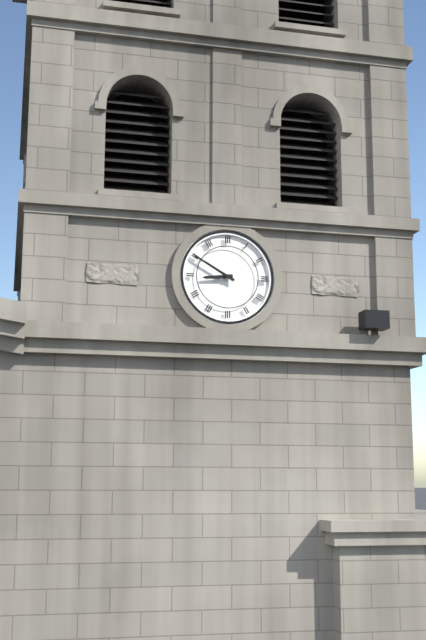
8:50
